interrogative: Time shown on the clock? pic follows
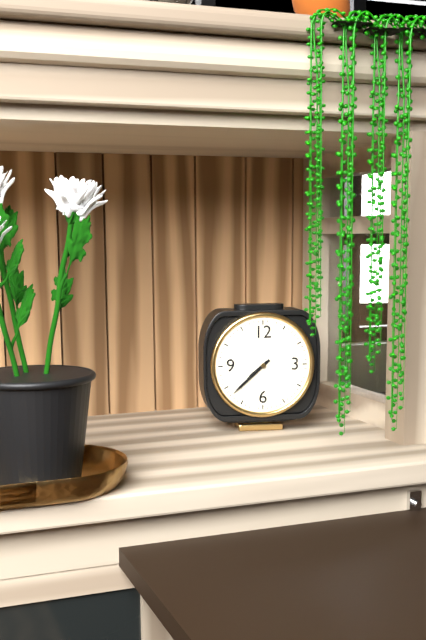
7:38
